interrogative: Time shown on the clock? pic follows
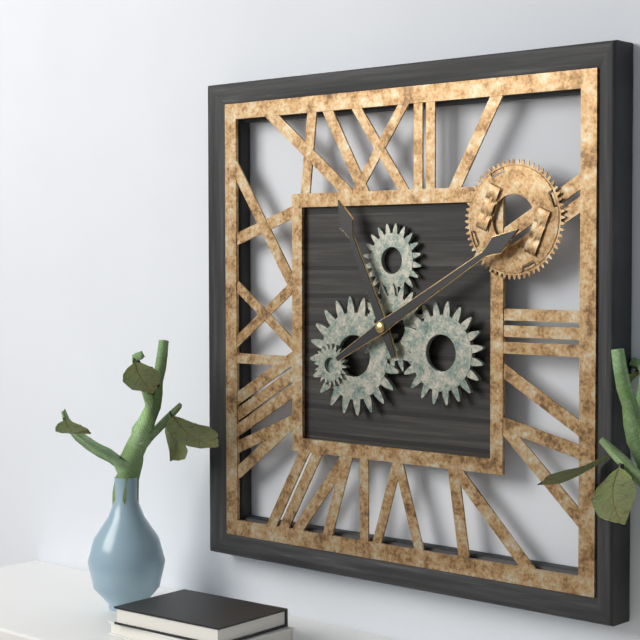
11:10
